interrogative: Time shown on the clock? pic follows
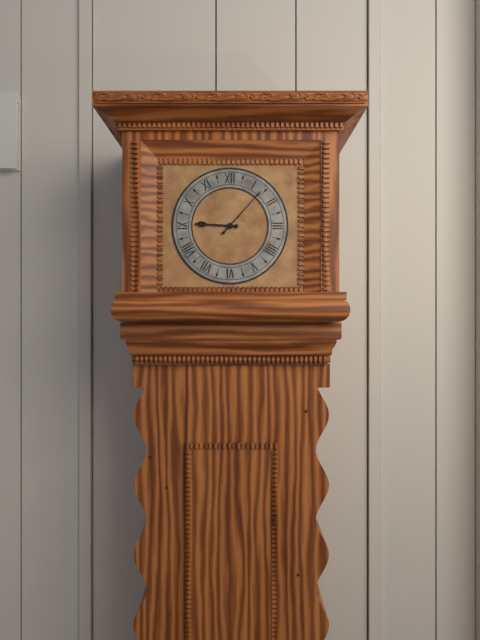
9:07
